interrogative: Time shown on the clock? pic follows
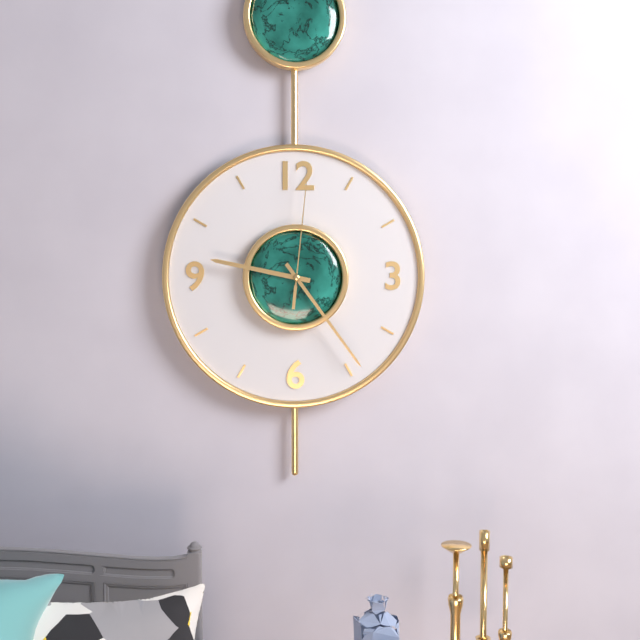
9:24:01
